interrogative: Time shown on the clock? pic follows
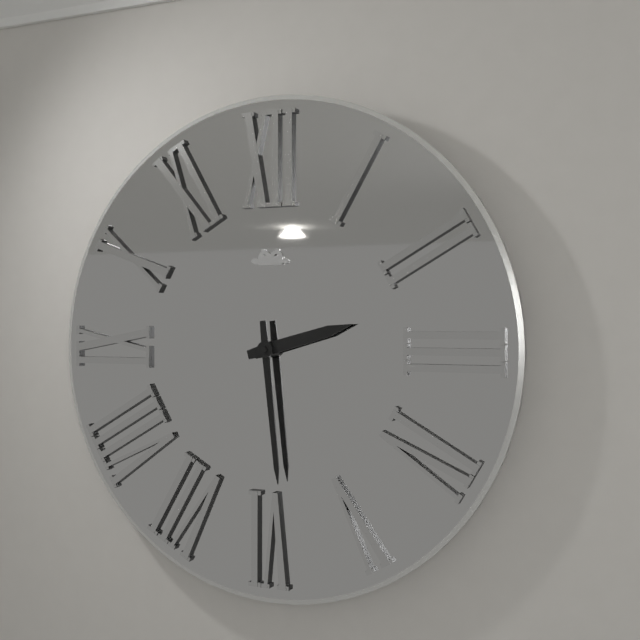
2:29
